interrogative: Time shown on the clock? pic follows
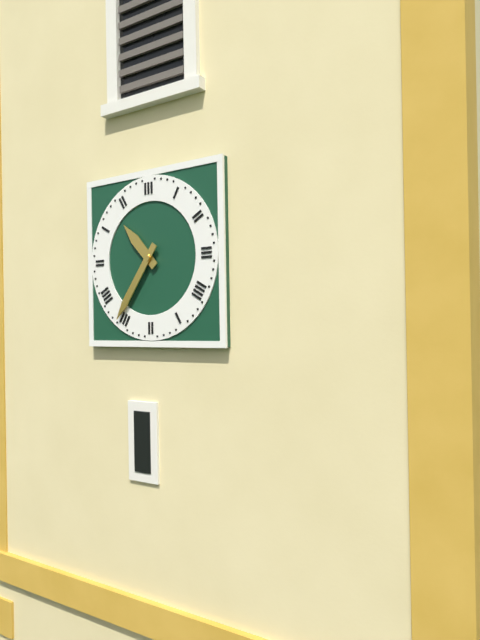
10:36
